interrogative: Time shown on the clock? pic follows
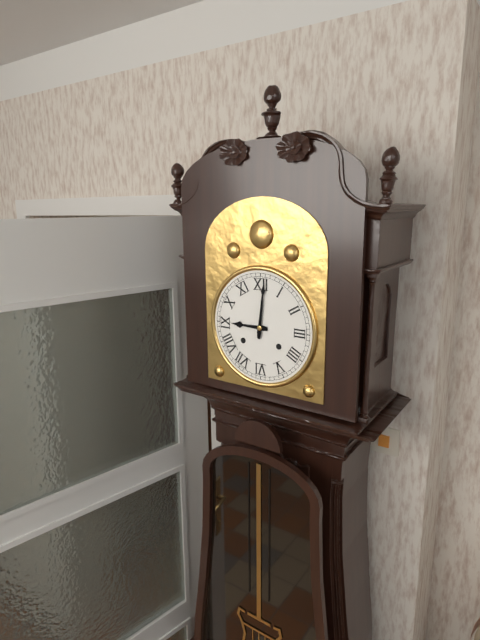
9:01
